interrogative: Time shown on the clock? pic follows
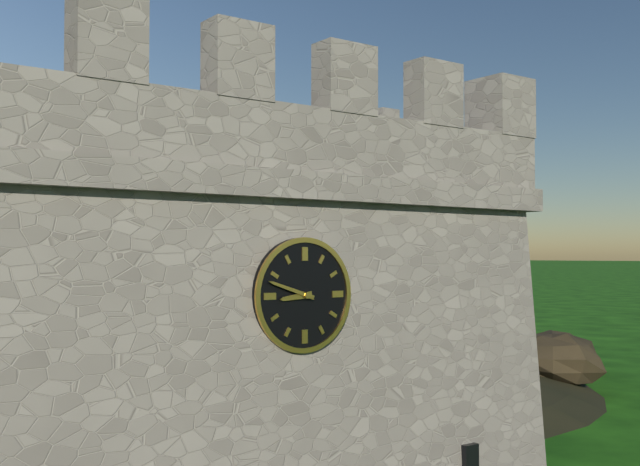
8:48
